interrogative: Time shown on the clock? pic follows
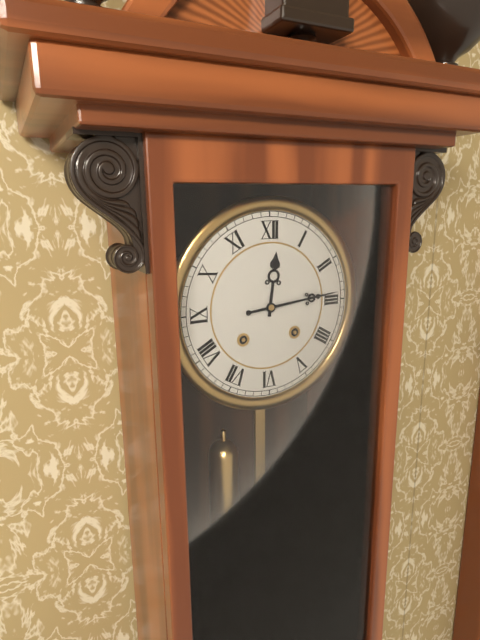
12:14
